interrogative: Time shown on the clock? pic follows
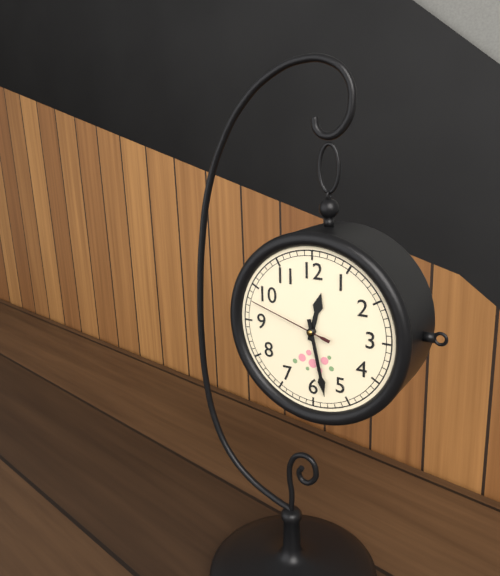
12:28:48
